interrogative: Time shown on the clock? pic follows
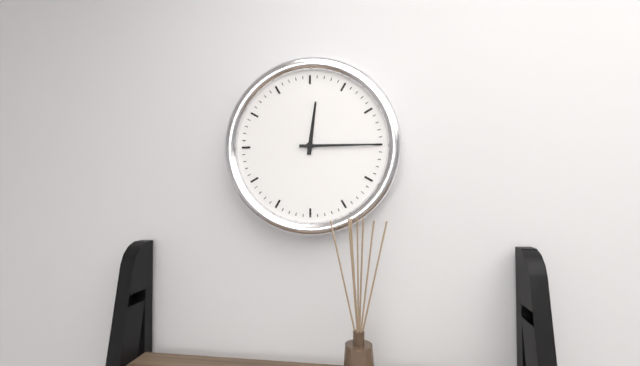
12:15
